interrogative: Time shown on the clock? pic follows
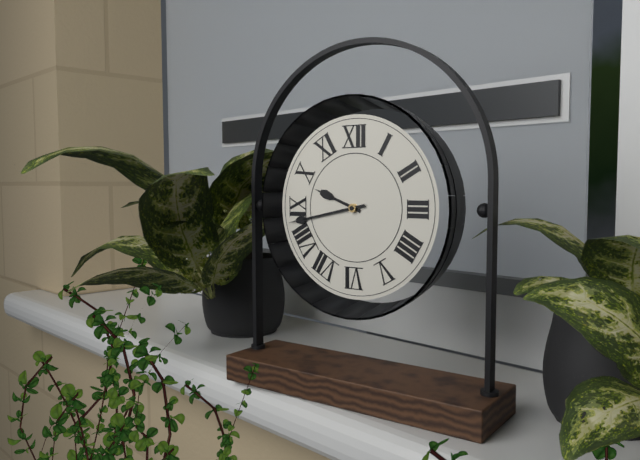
9:43
